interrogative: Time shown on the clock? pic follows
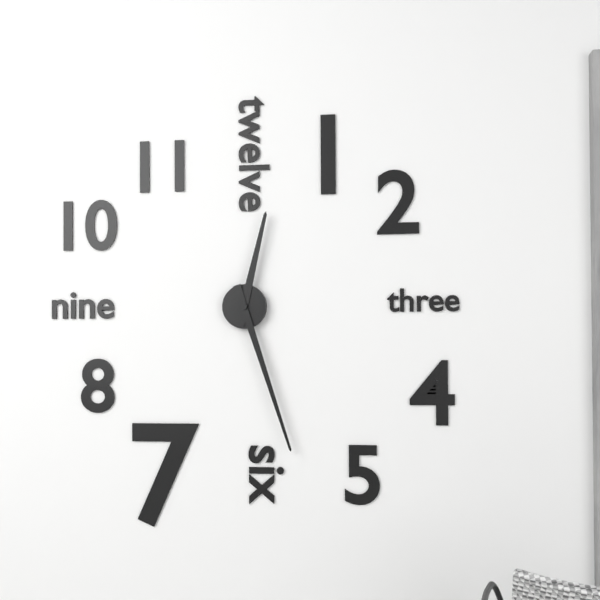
12:27
